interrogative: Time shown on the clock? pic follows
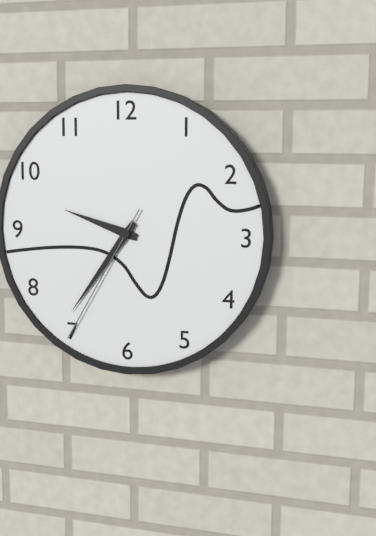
9:36:35
